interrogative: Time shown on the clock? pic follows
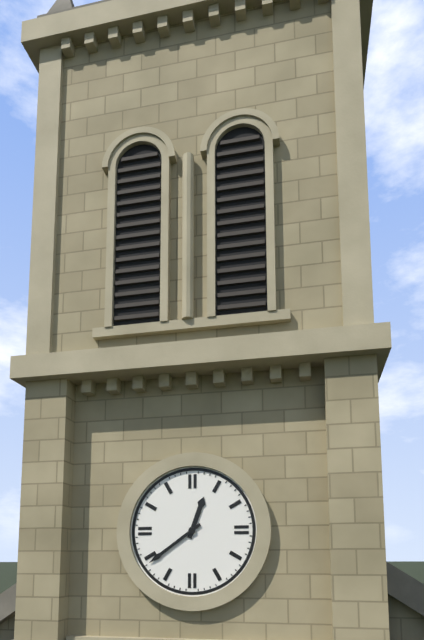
12:39
